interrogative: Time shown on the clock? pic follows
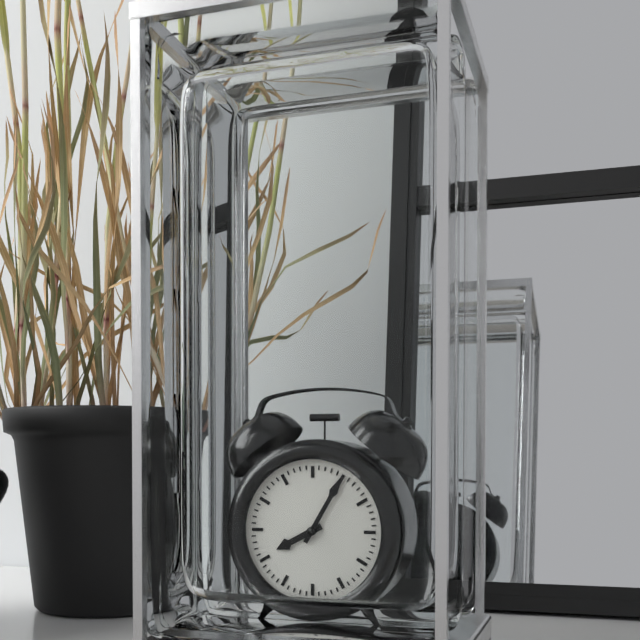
8:05
